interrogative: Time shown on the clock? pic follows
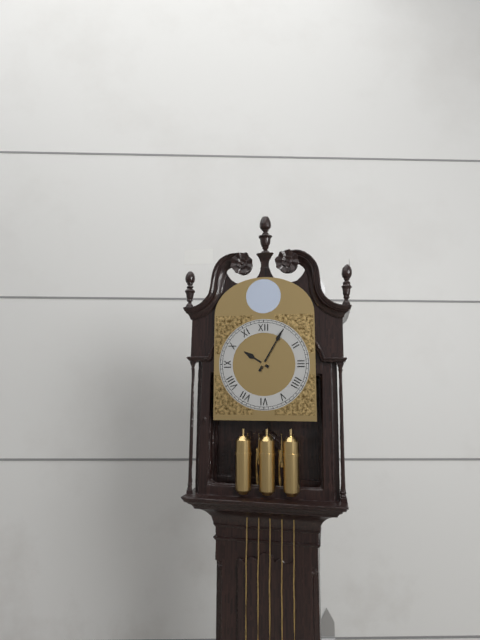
10:05
